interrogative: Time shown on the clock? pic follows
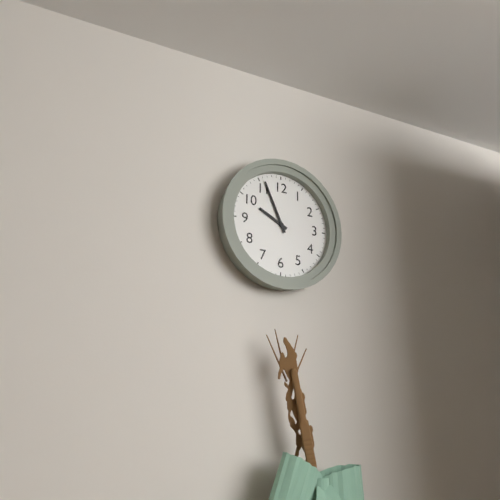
9:56
